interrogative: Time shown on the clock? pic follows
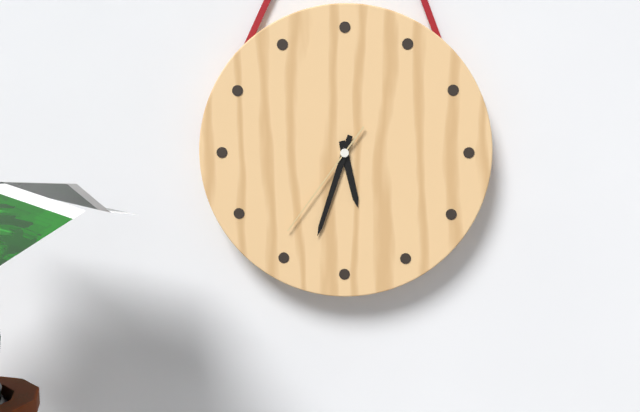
5:33:36
